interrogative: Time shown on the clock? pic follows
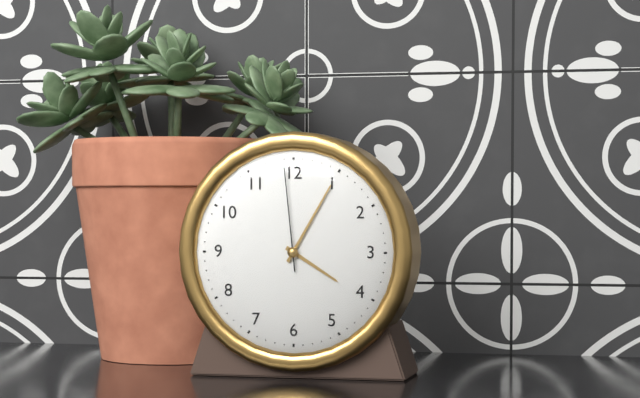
4:05:59
